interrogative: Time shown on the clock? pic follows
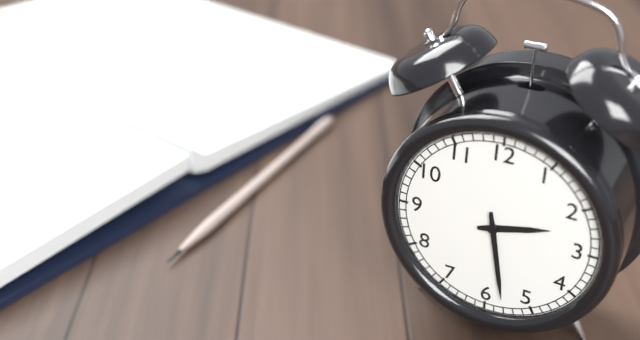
2:28
